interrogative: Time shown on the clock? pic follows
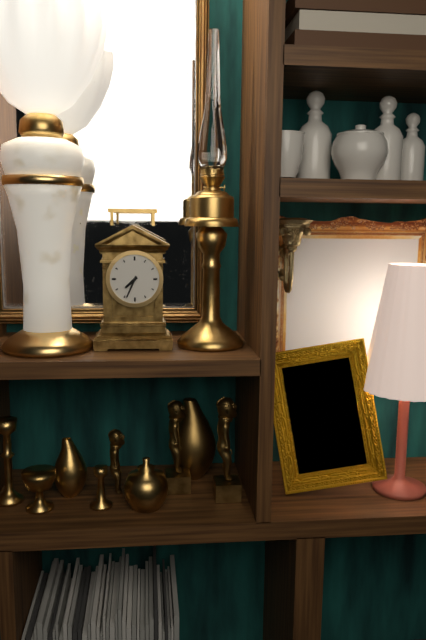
7:34
